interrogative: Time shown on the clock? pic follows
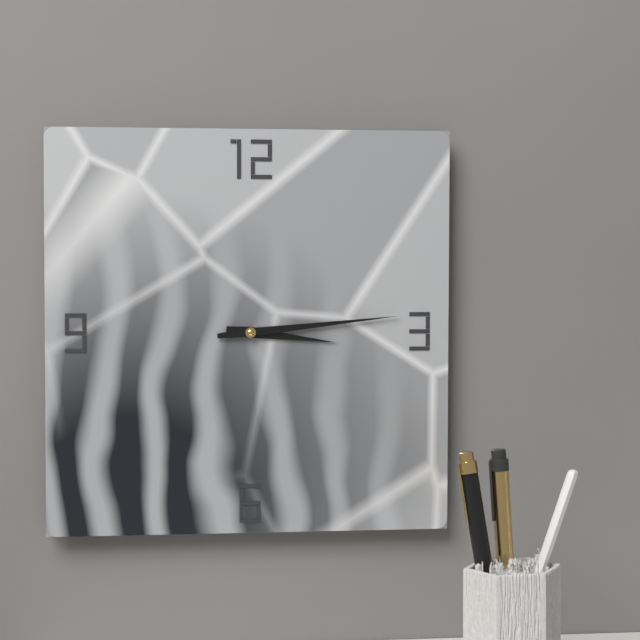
3:14
